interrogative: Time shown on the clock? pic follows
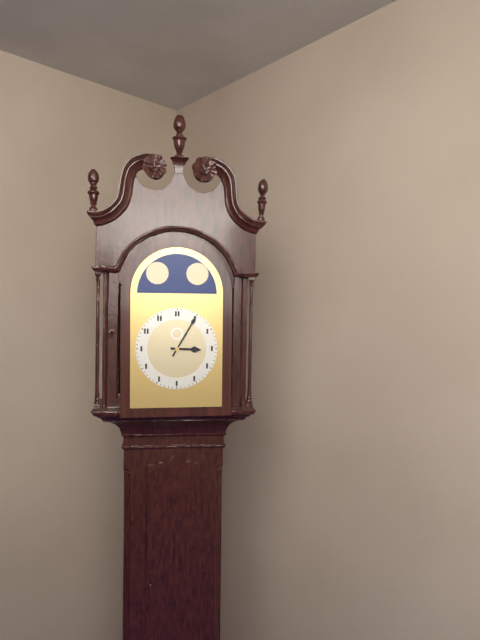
3:05
